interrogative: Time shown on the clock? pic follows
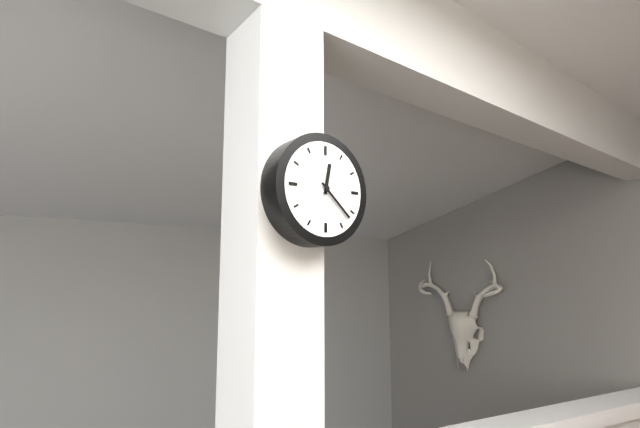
12:22
